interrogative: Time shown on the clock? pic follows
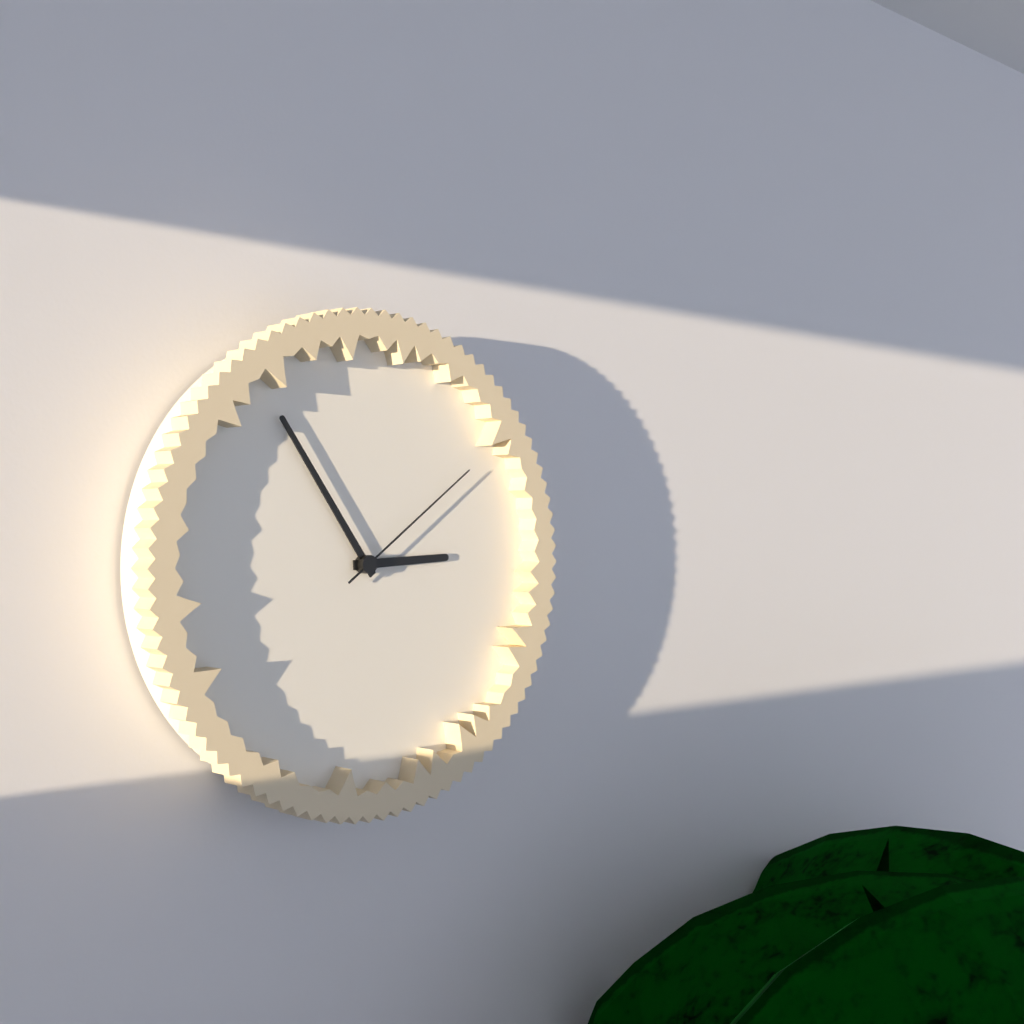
2:54:09
